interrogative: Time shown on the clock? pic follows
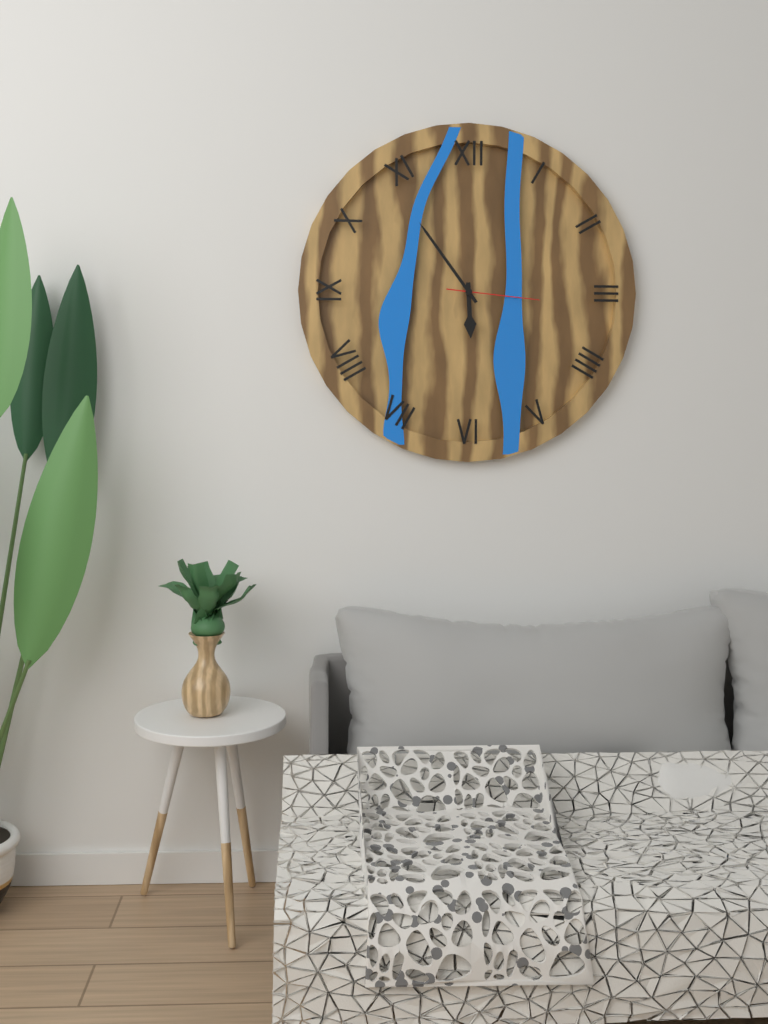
5:54:16
